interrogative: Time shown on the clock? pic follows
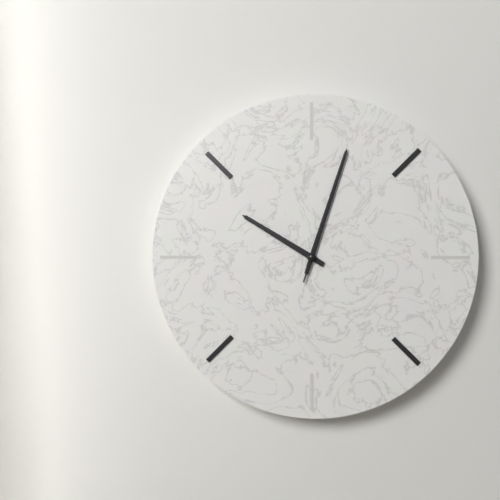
10:03:03
